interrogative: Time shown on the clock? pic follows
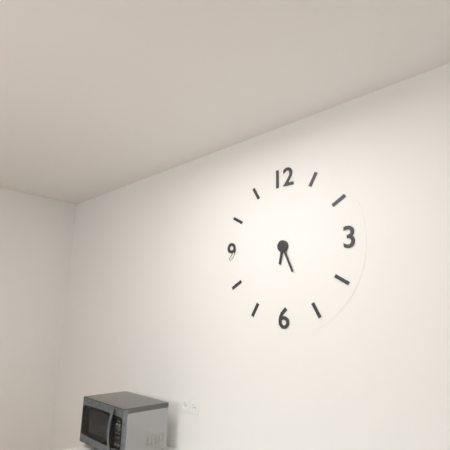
6:26
